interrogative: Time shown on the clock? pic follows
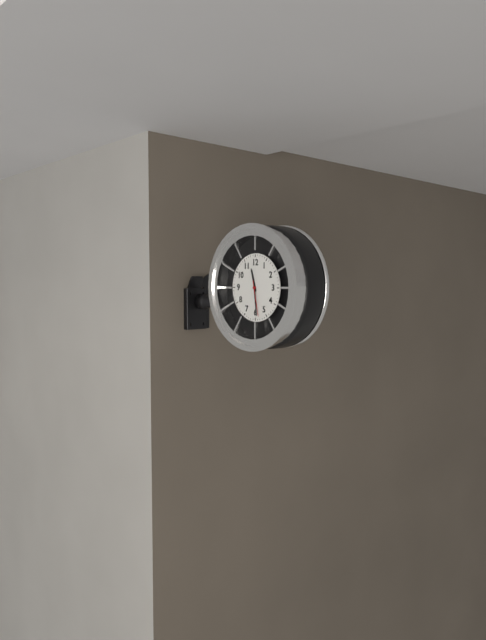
11:29
